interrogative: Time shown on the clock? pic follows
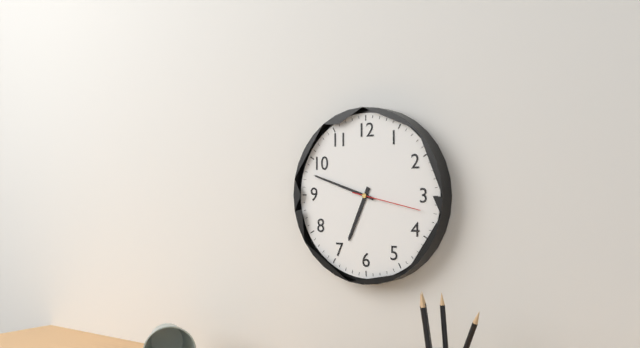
6:48:17
